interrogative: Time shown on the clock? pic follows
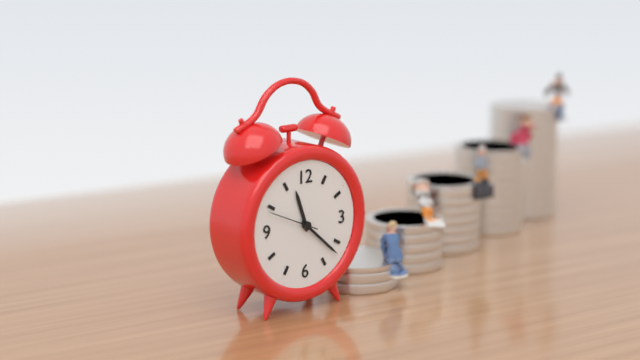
11:22:49
